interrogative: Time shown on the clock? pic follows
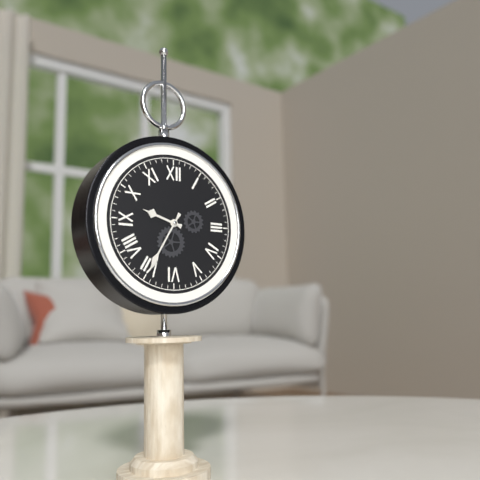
9:35
